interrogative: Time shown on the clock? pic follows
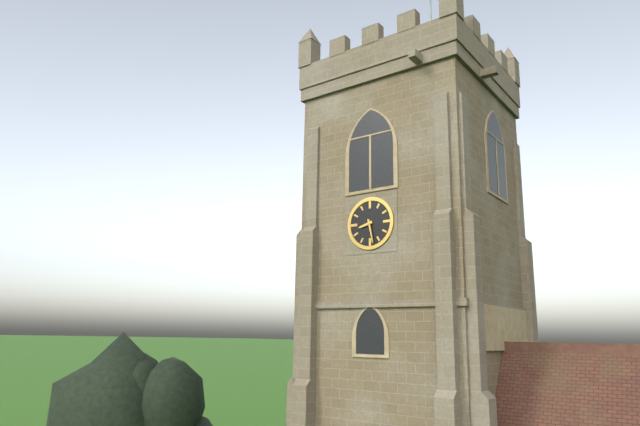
8:28
